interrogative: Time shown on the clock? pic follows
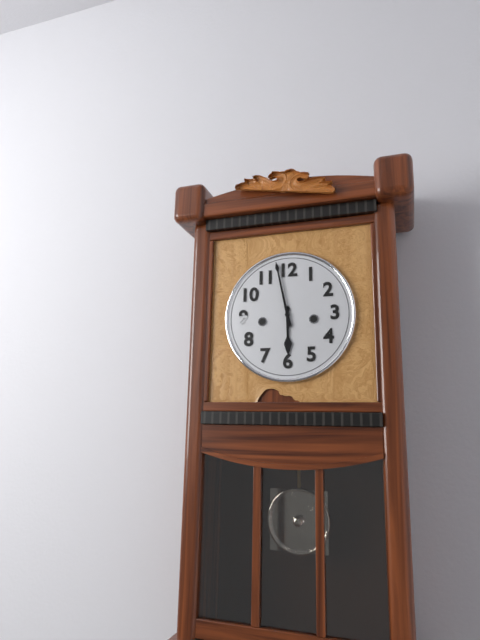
5:58
